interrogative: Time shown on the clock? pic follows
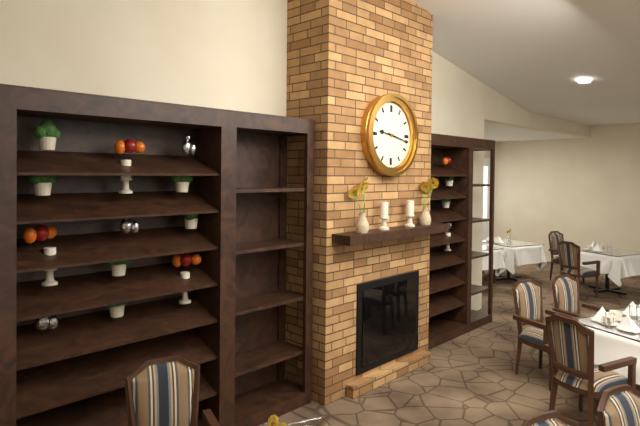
9:17
